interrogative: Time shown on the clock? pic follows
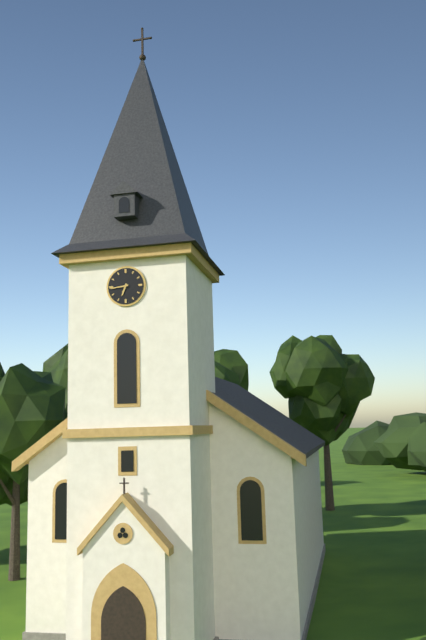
6:44
